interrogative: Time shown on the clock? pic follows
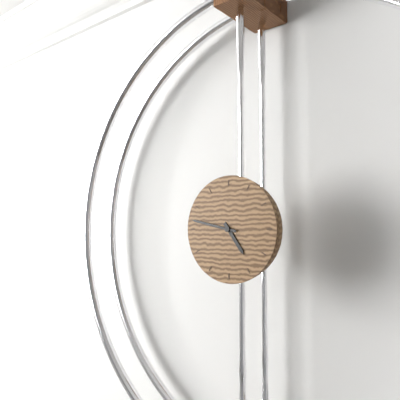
4:47
